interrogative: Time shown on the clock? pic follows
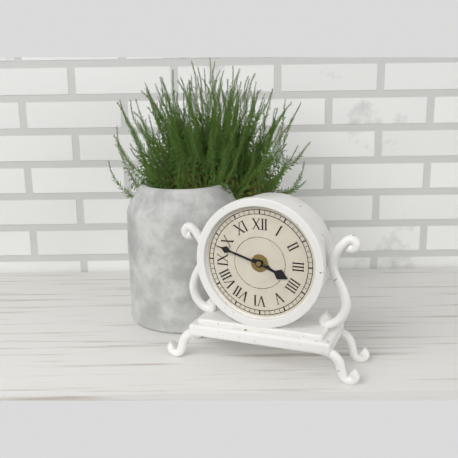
3:48
